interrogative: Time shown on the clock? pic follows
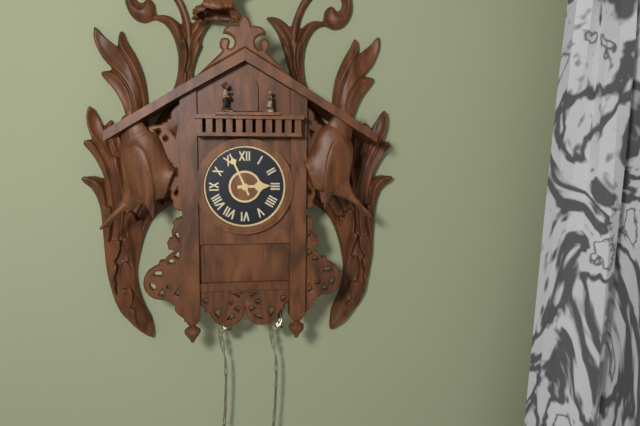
2:56
